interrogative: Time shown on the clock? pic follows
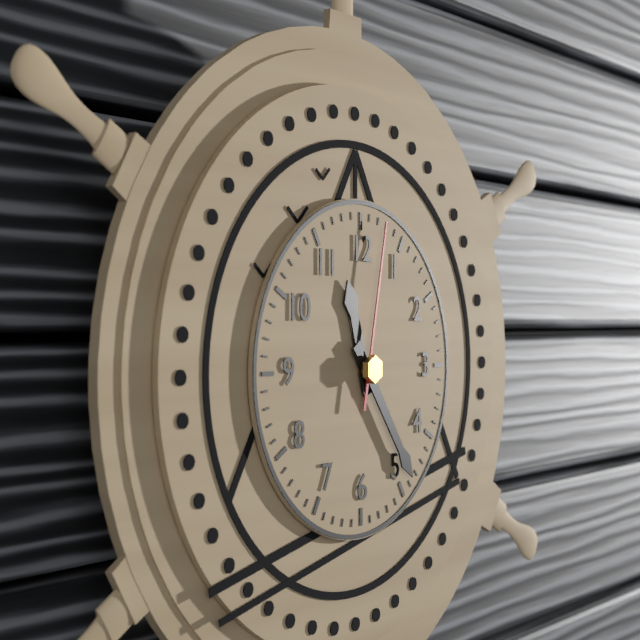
11:24:02
